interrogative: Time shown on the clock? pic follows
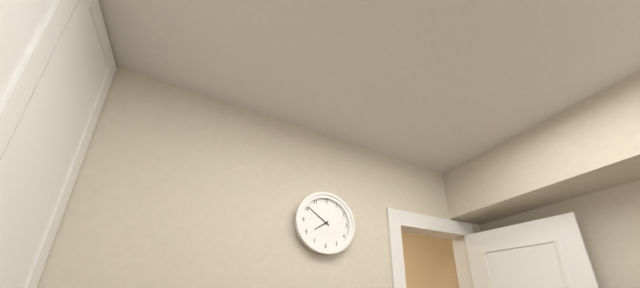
7:51
